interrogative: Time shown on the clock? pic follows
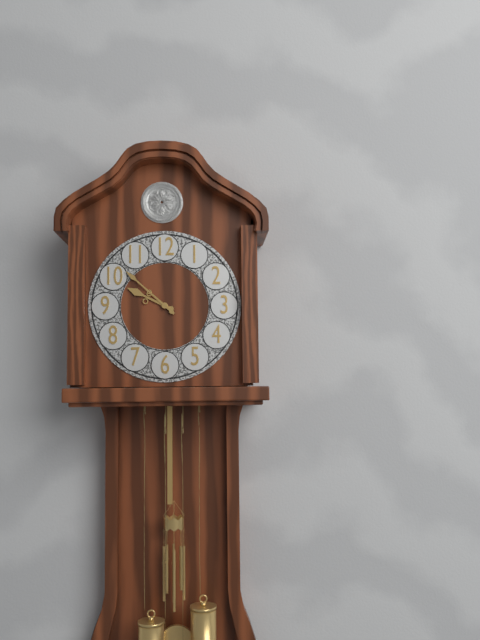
9:52
